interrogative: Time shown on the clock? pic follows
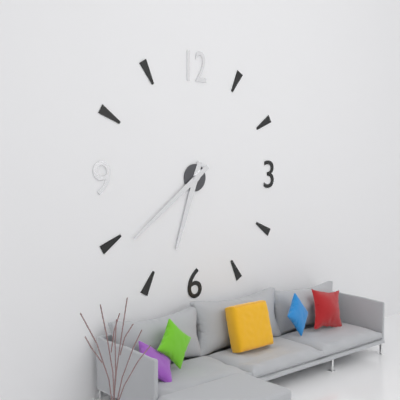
6:39
